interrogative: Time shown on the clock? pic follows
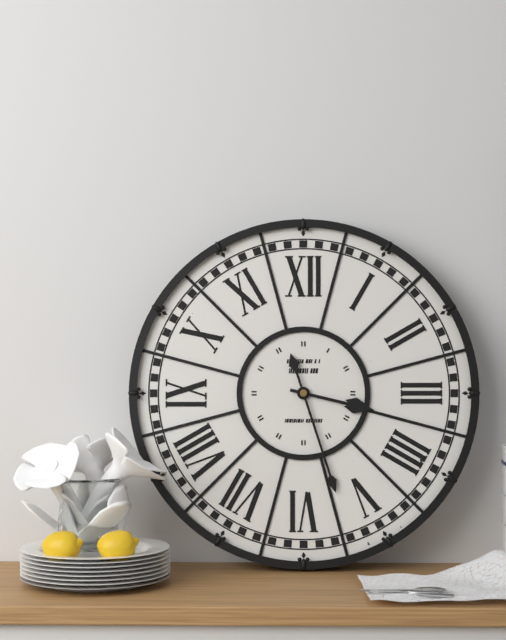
3:27
